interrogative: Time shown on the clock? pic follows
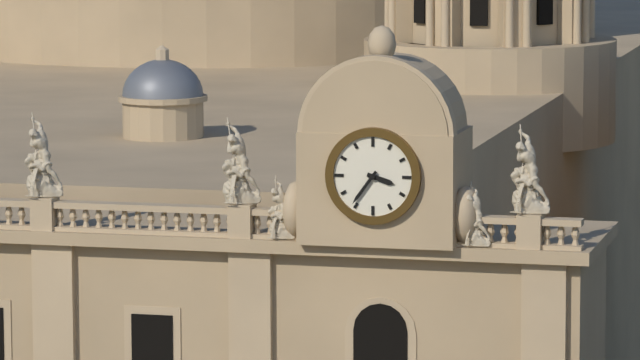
3:36
